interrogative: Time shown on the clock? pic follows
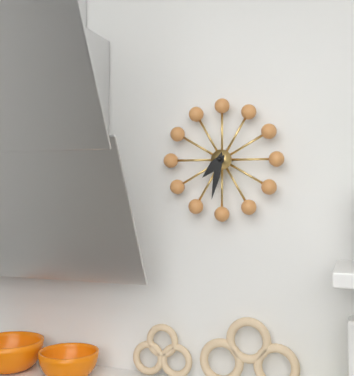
7:32
